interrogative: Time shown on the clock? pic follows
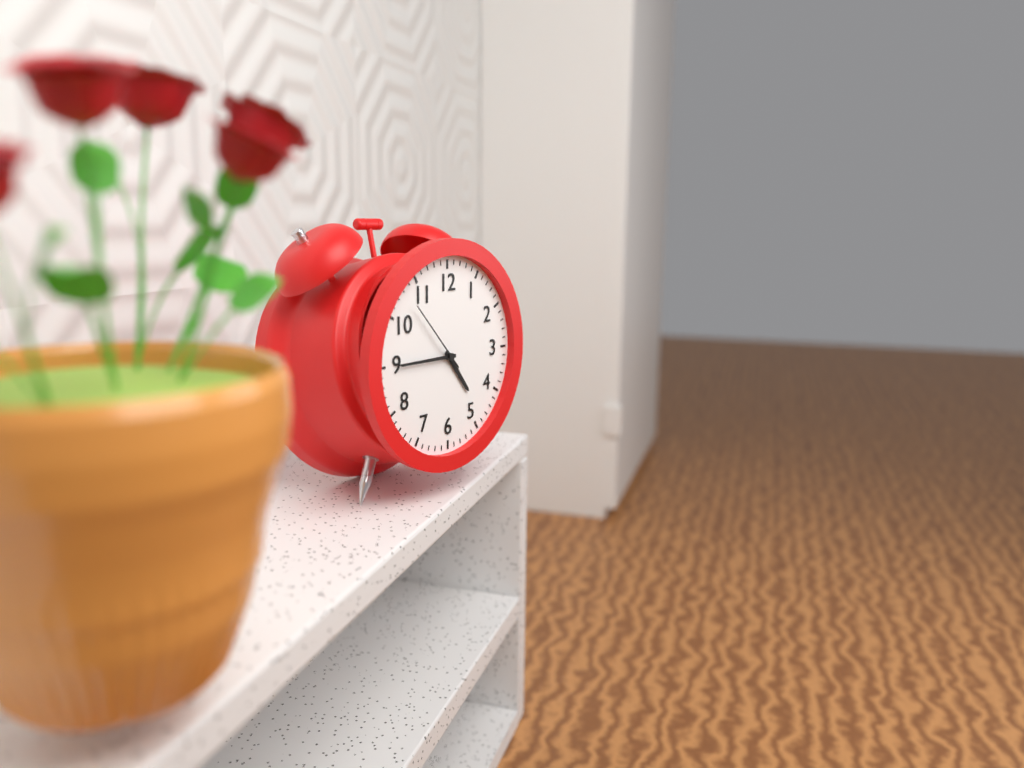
4:45:53
